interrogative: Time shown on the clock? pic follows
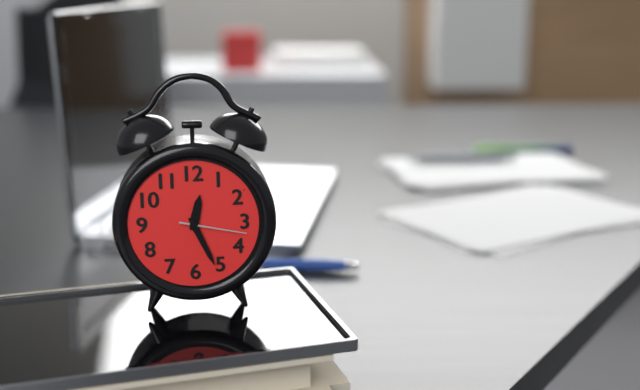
12:26:17
